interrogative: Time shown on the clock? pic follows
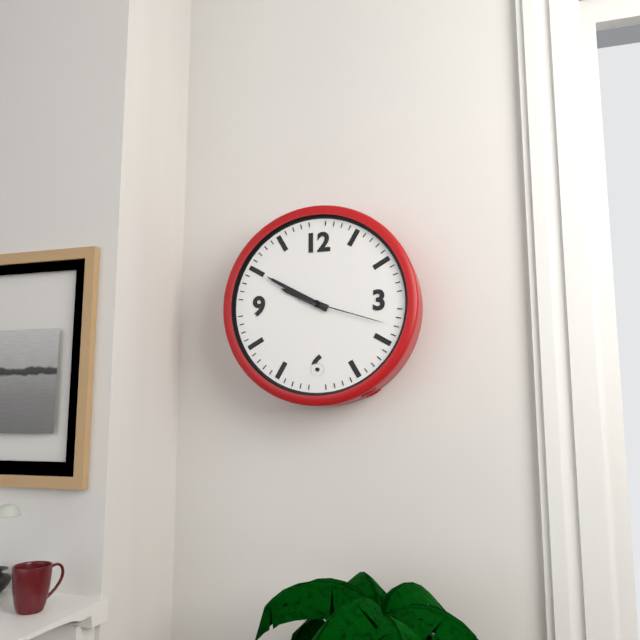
9:50:18
